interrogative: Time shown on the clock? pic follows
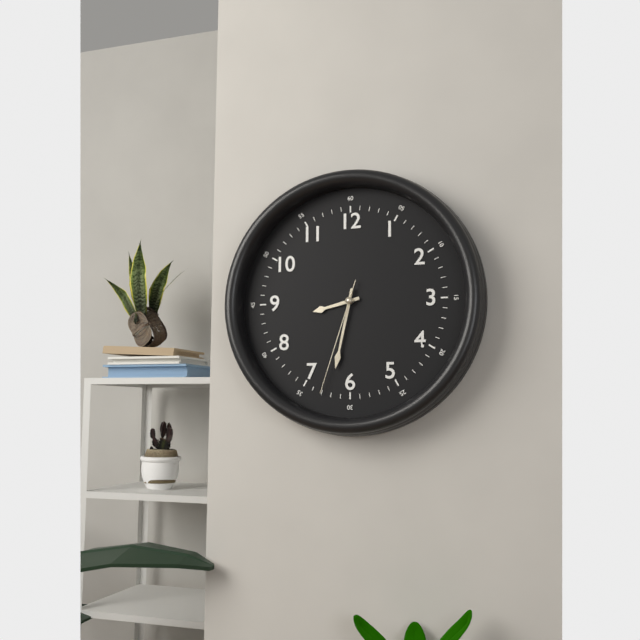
8:32:33
